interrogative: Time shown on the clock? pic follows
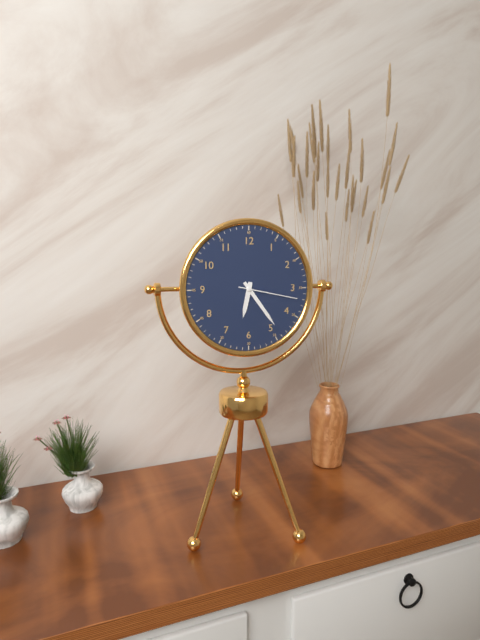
6:24:17
